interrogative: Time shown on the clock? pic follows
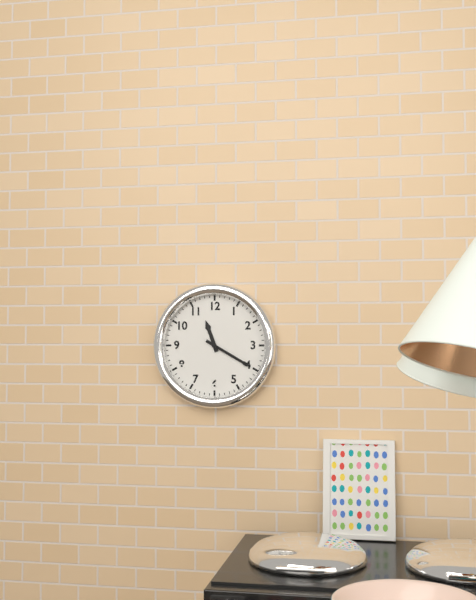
11:20
